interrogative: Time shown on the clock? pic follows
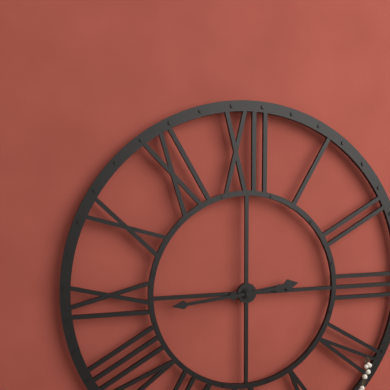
2:44
